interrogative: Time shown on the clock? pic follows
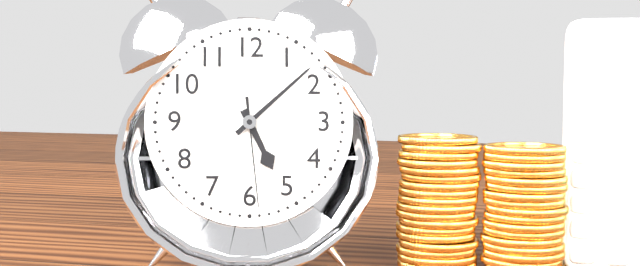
5:08:29
